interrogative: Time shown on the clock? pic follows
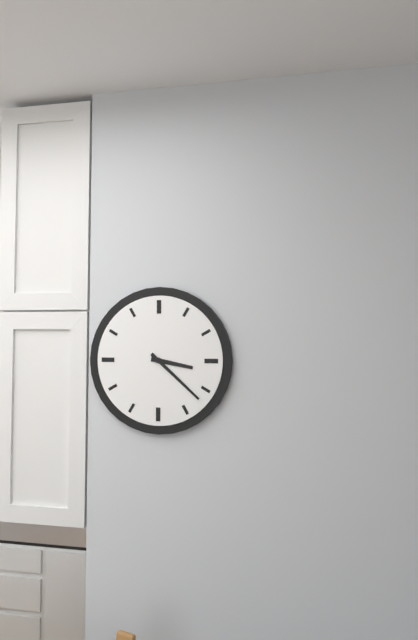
3:22
